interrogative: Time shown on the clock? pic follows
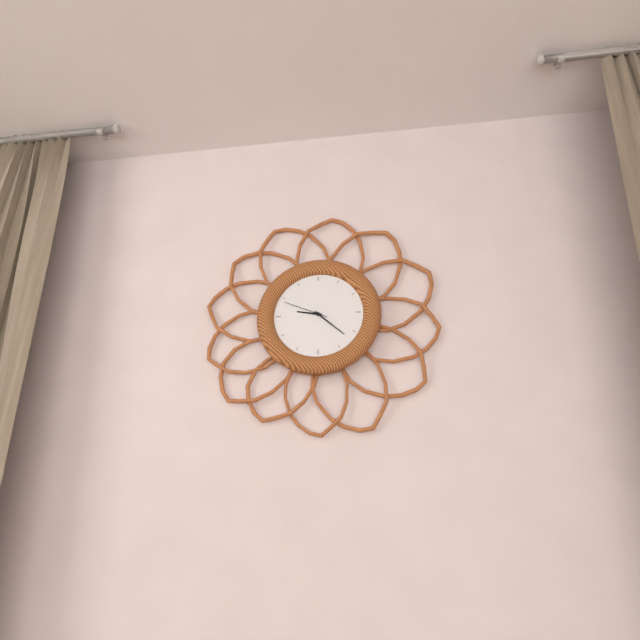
9:22:49
